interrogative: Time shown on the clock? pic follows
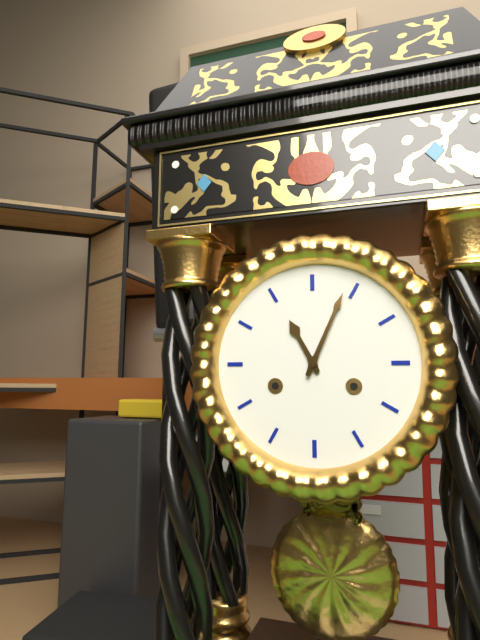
11:04
